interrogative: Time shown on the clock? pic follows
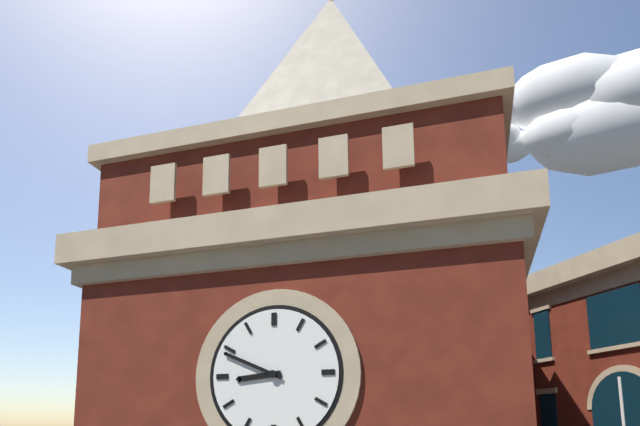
8:49
